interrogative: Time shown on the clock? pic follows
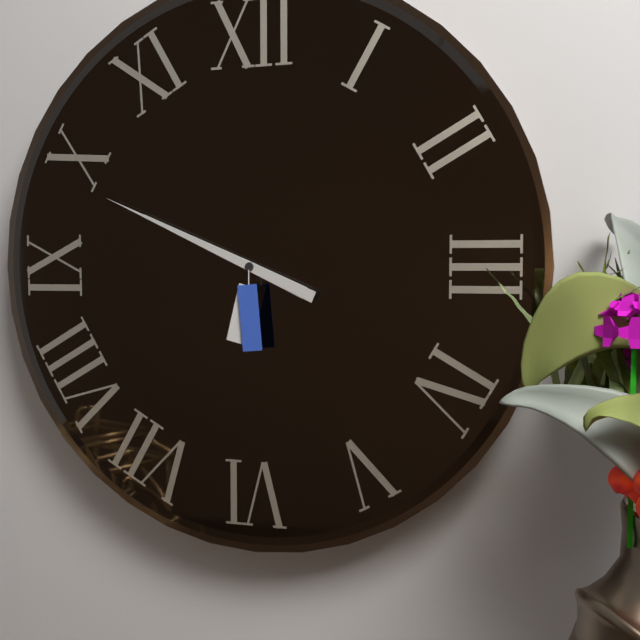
9:49
